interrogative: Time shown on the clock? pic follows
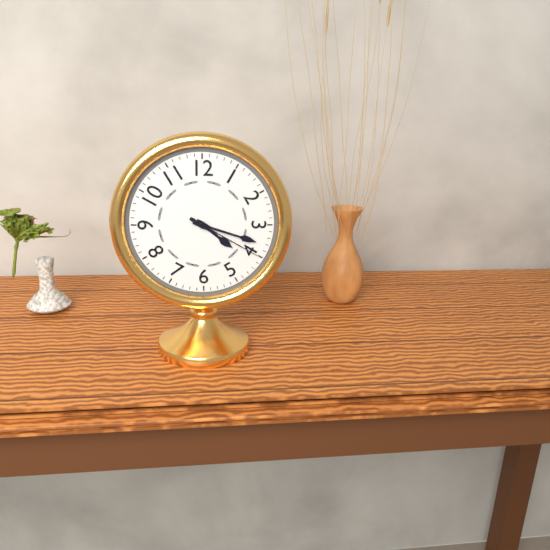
4:18:20
